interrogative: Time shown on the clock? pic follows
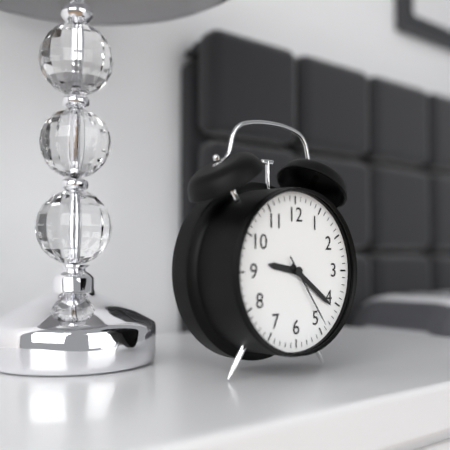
9:21:24
